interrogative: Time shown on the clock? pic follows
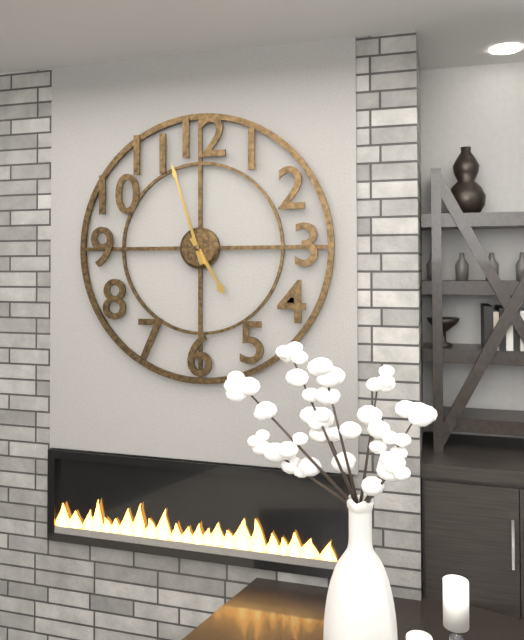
4:57
